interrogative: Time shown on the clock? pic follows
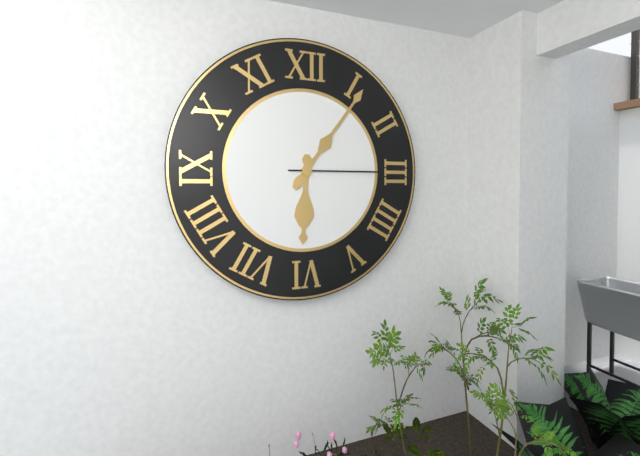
6:06:15
